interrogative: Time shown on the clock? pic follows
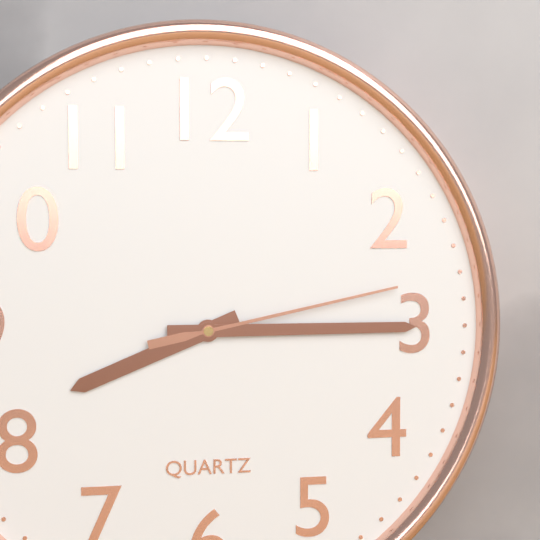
8:15:13
